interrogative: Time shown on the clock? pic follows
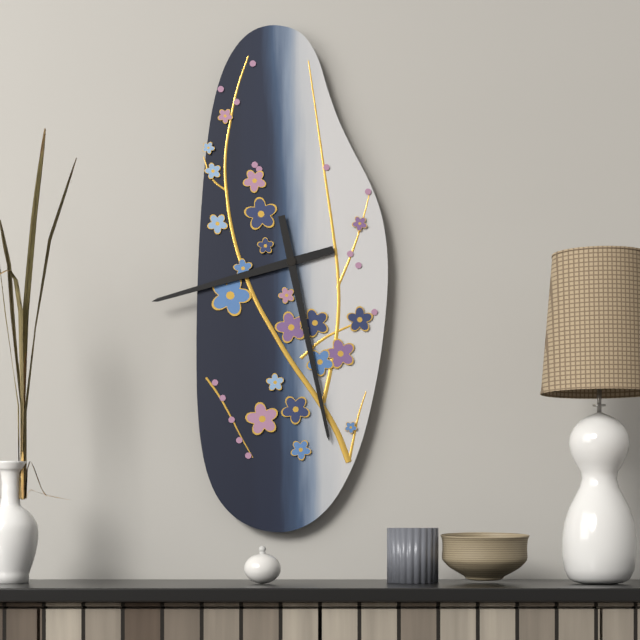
8:28
